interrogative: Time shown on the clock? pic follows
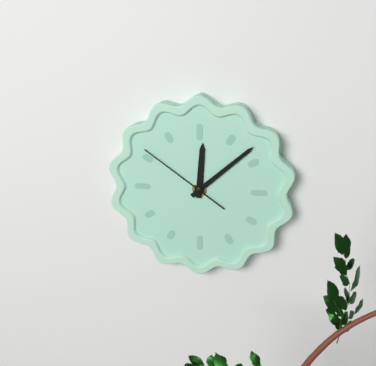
12:08:51
